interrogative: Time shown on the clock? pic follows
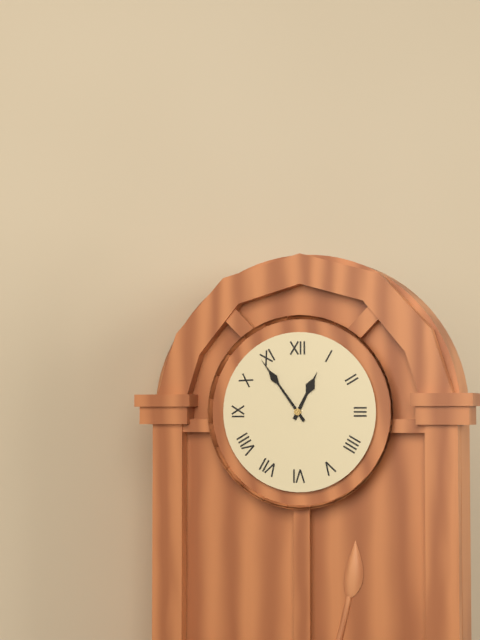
12:54
